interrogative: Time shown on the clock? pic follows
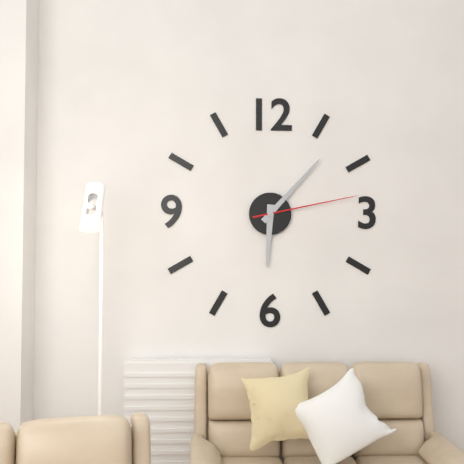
6:07:13
